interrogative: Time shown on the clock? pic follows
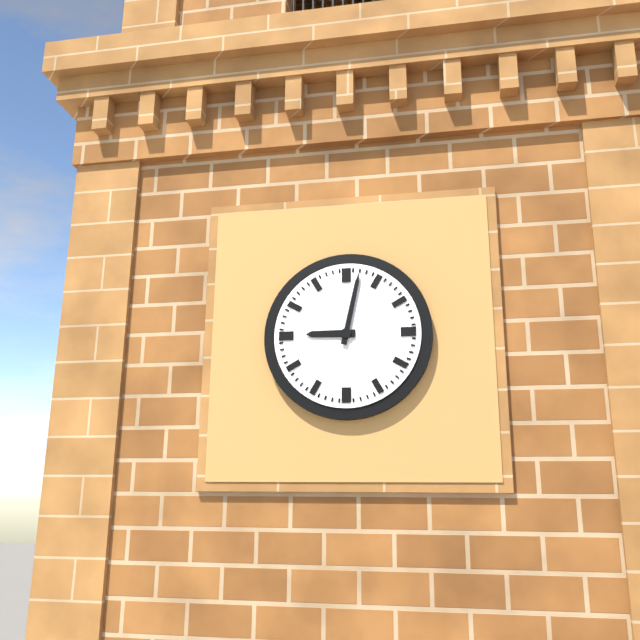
9:02
